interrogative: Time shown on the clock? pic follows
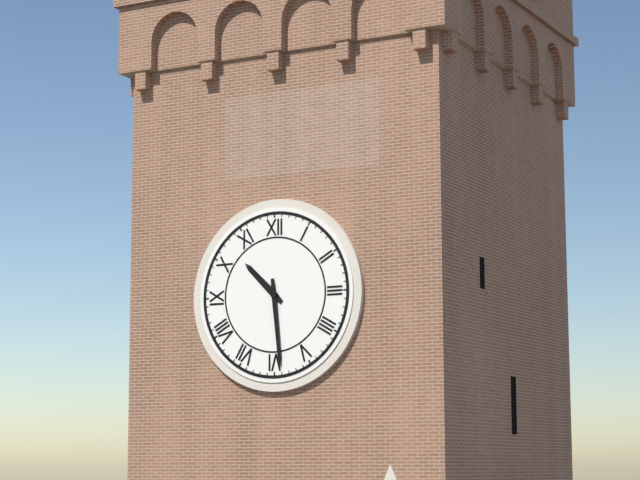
10:29
